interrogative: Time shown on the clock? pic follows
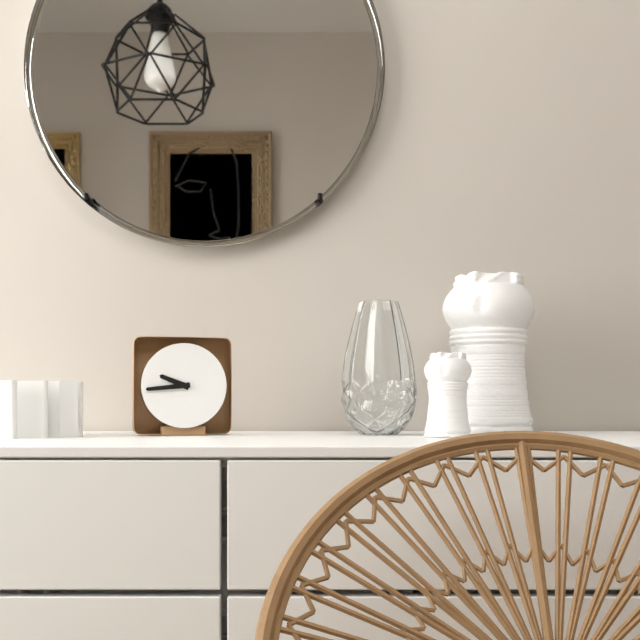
9:44
